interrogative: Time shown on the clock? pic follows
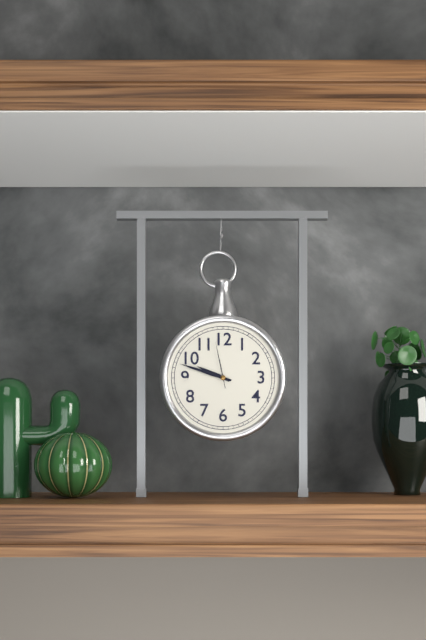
9:48
